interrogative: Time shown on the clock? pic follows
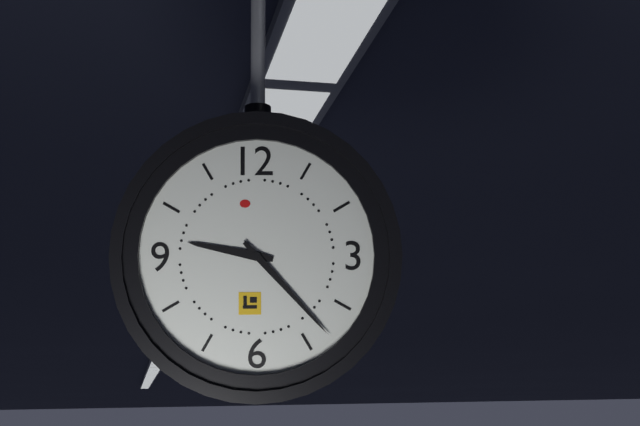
9:23
